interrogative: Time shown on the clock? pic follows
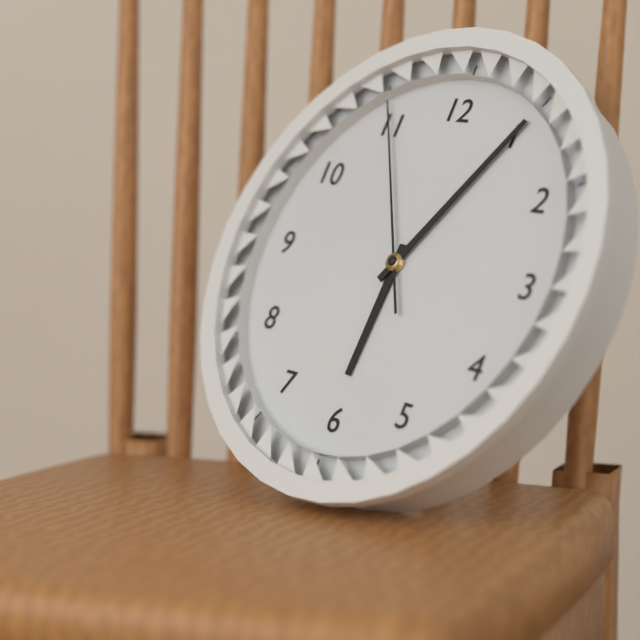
6:05:55
